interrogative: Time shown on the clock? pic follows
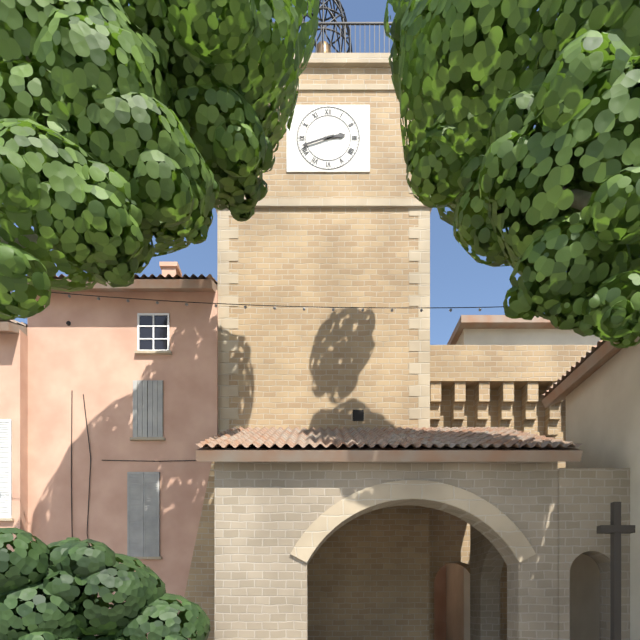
2:42
